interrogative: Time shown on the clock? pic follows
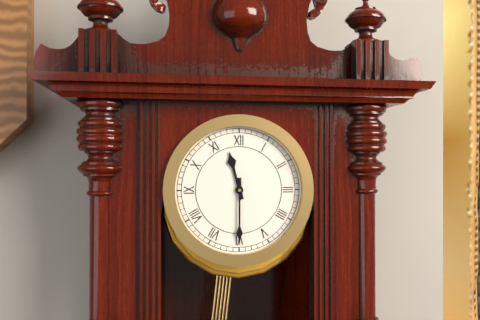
11:30
